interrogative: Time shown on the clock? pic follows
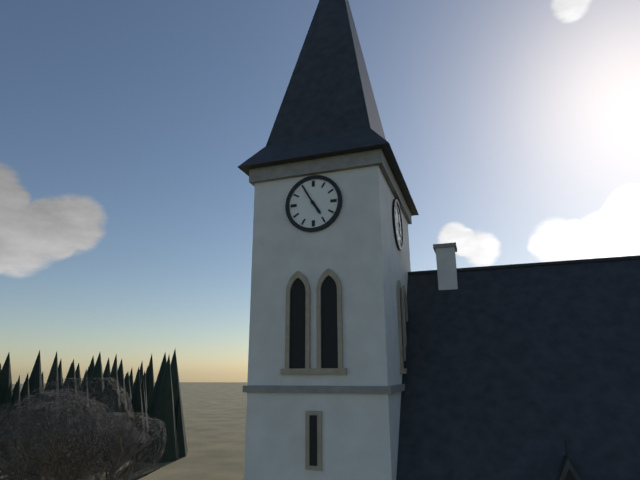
4:55
